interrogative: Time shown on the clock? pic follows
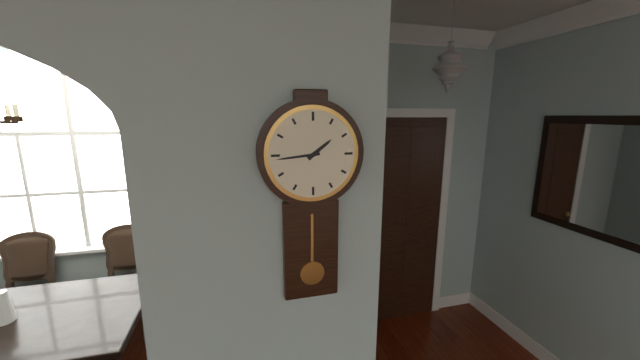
1:44
